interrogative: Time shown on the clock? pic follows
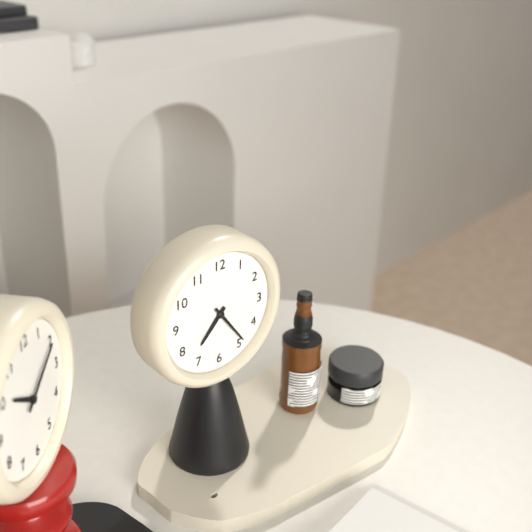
7:24
